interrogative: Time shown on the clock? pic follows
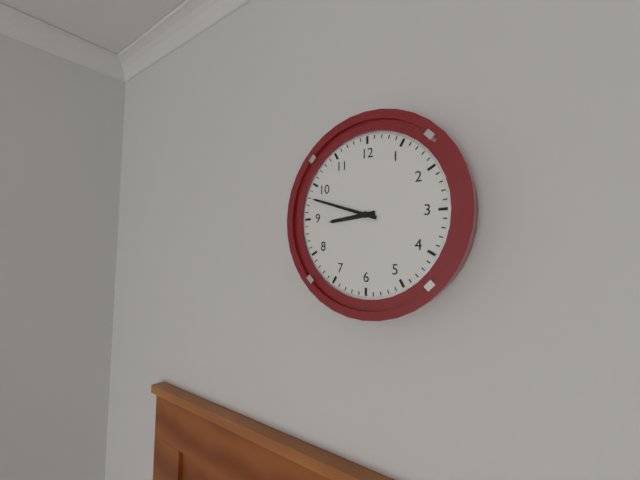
8:48
